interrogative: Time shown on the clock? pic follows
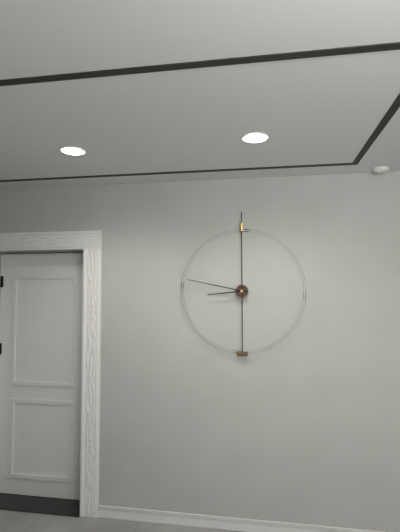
8:47
